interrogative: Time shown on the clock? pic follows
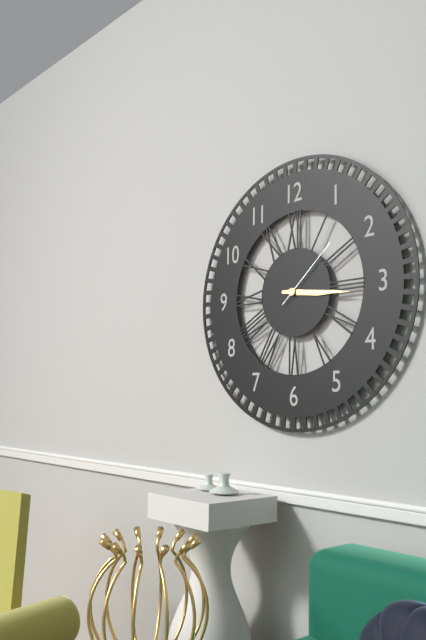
3:16:08
